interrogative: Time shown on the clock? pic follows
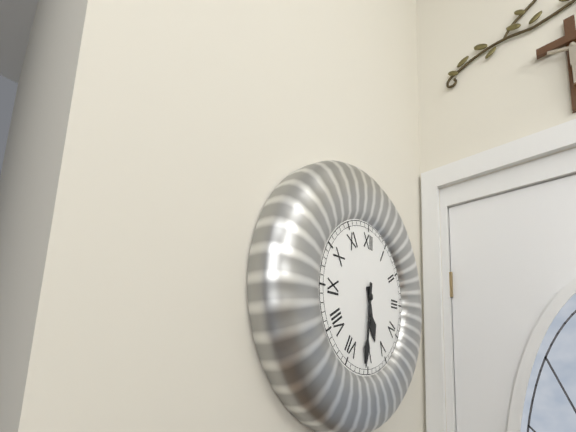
5:31
